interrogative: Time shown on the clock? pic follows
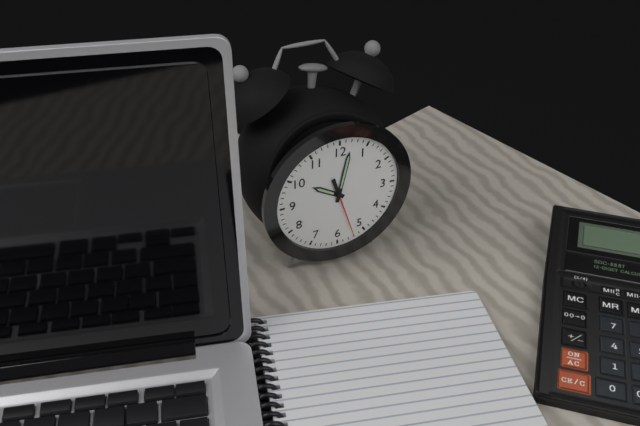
10:02:27
